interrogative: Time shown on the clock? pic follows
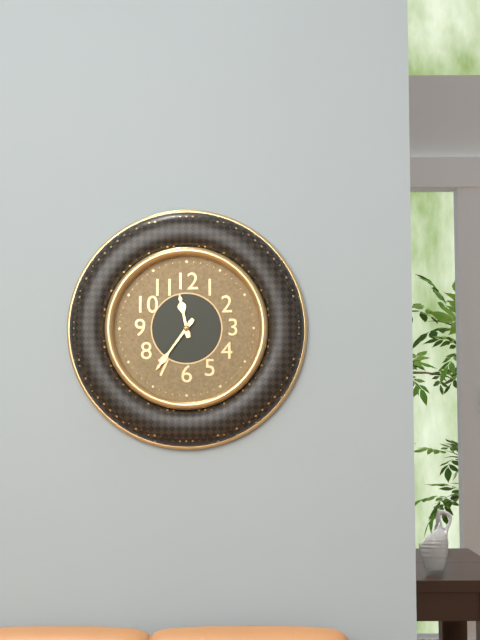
11:36
